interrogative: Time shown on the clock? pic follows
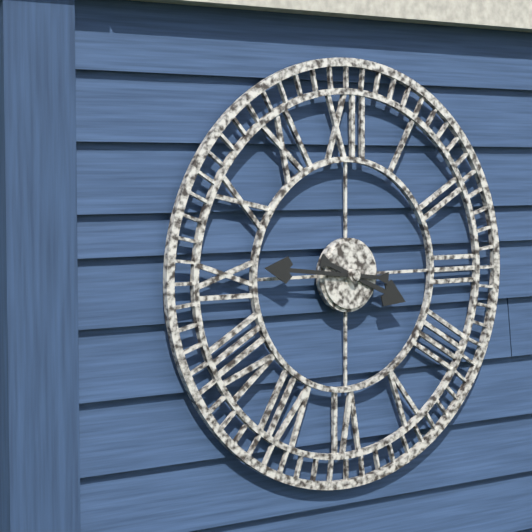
3:46
